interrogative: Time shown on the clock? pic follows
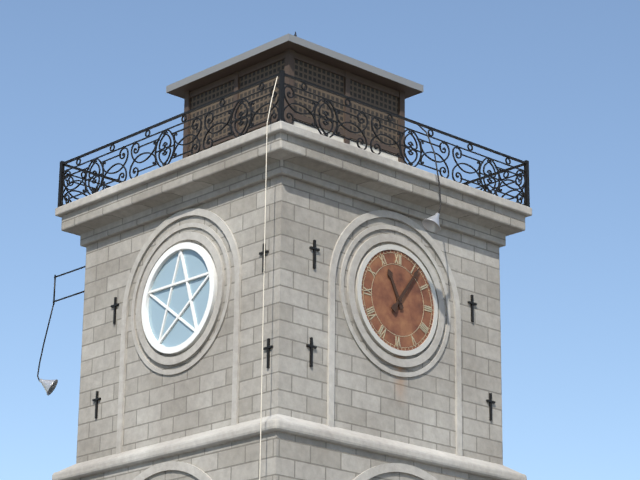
11:06
